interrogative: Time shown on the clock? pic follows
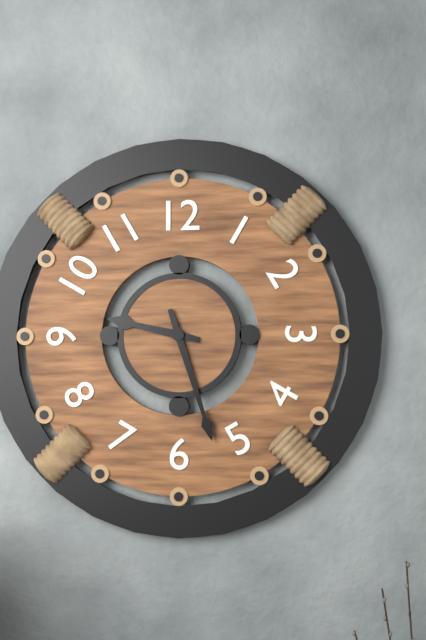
9:27
